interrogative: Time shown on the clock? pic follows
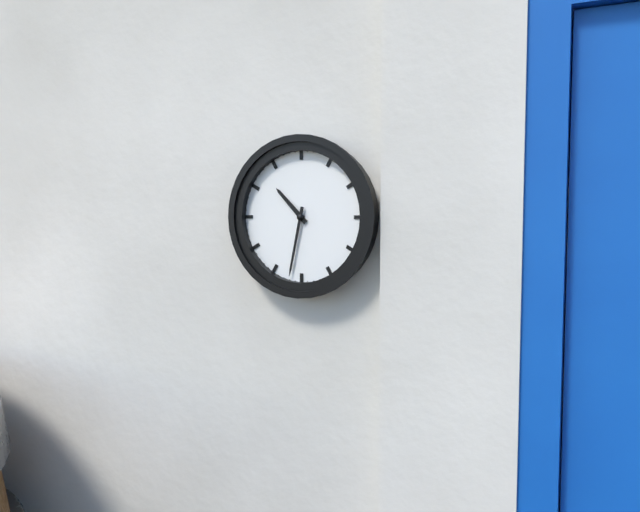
10:32
